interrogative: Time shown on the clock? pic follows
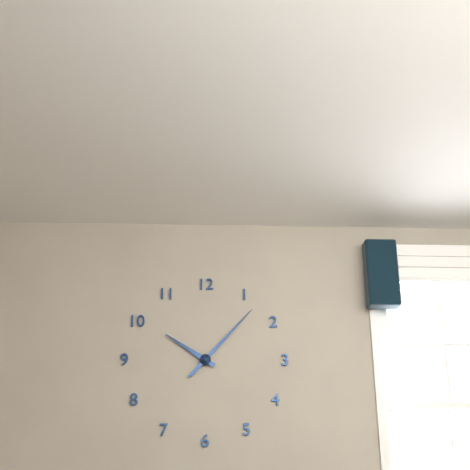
10:07
